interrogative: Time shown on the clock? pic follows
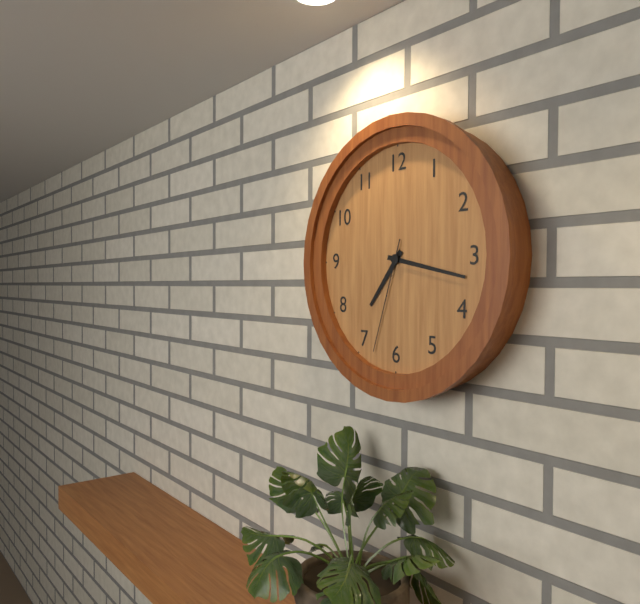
7:17:33
